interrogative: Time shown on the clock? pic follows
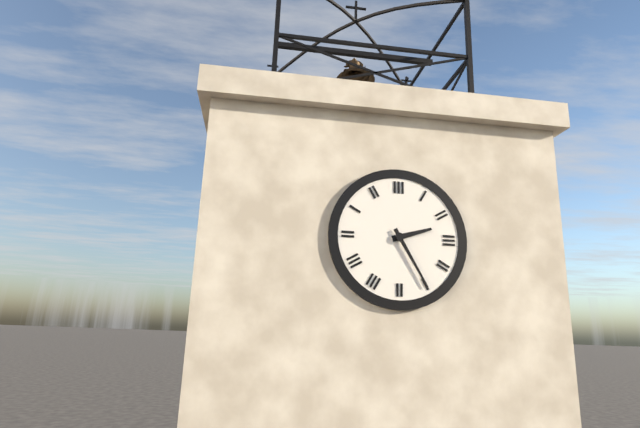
2:25
